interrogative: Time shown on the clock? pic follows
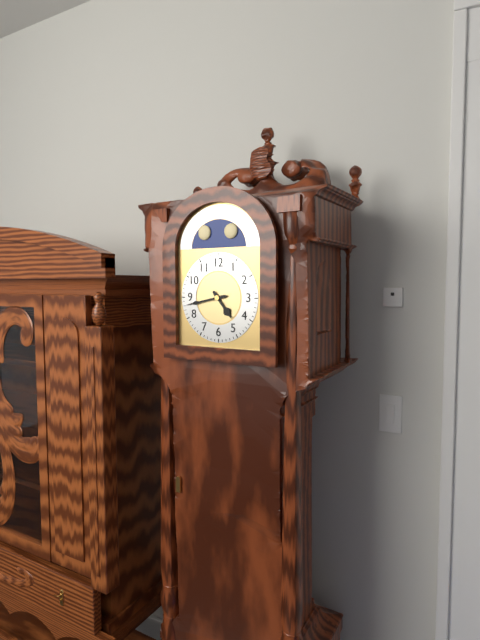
4:43
